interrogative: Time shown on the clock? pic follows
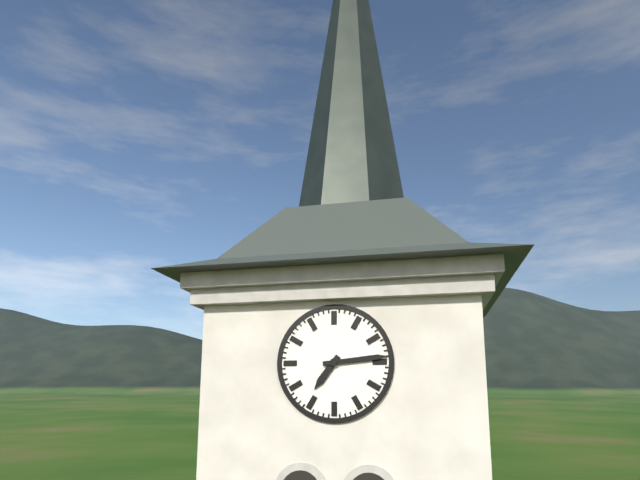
7:14
